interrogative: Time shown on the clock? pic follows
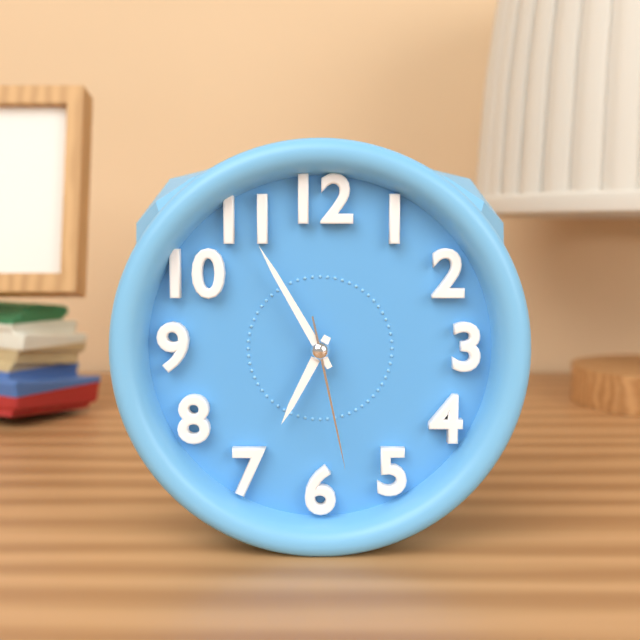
6:55:28
